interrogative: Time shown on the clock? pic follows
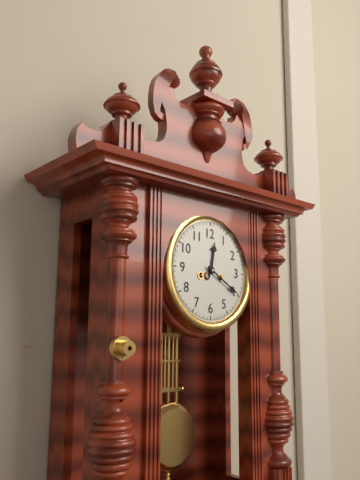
12:20
